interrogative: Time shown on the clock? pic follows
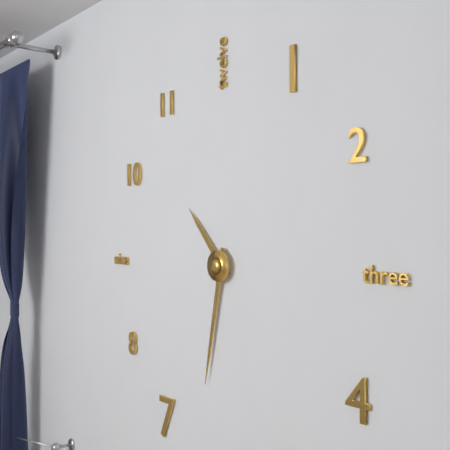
10:32
